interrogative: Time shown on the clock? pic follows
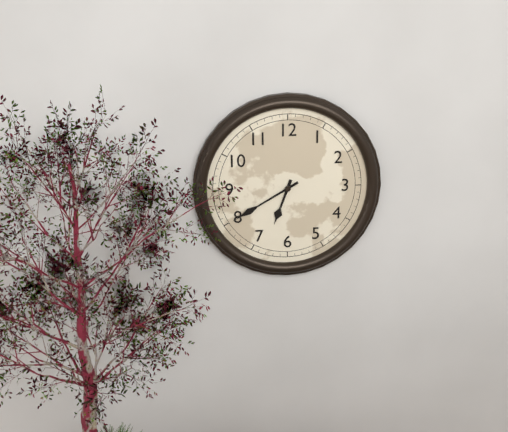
6:40
